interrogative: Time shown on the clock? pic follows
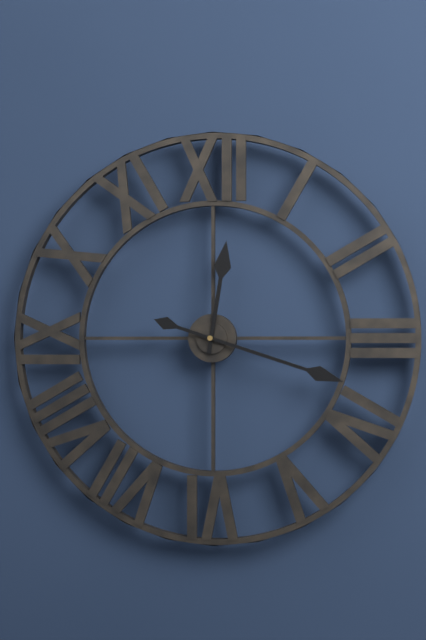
12:18
